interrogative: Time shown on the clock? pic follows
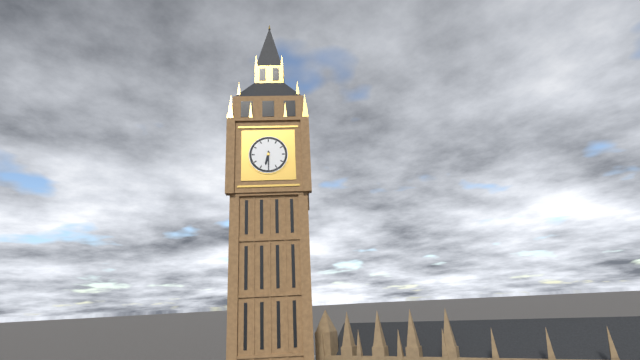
6:30
